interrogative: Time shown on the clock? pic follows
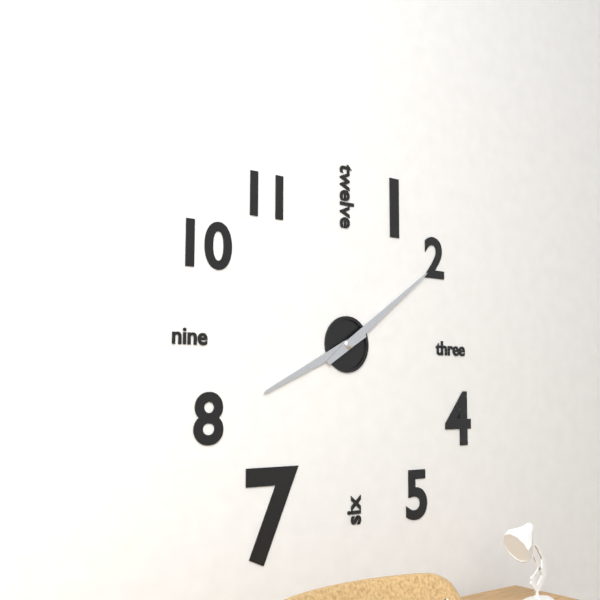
8:09
